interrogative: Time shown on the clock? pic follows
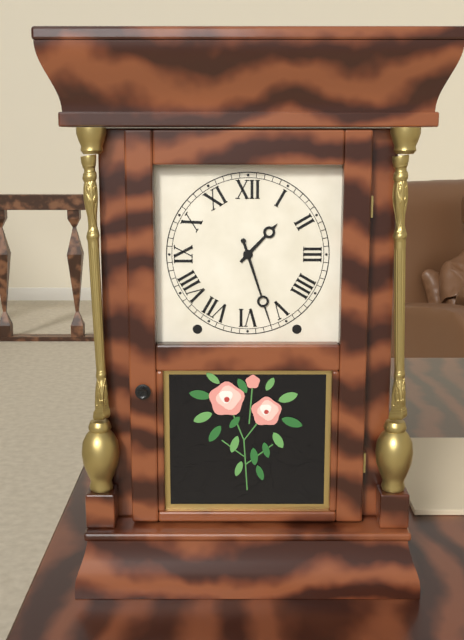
1:27
